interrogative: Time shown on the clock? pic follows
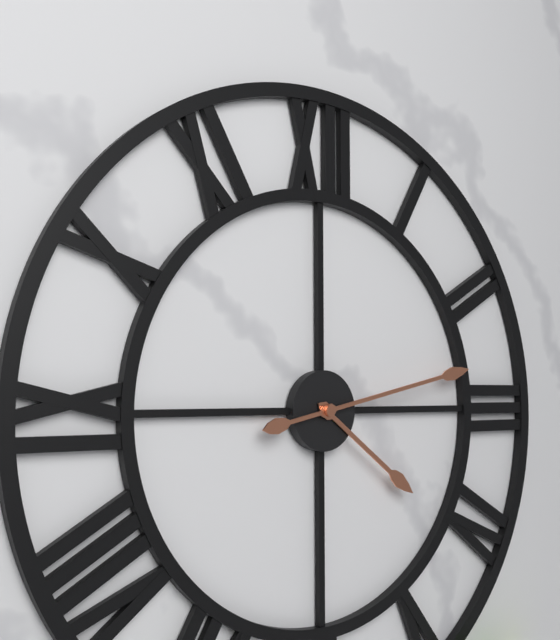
4:13
